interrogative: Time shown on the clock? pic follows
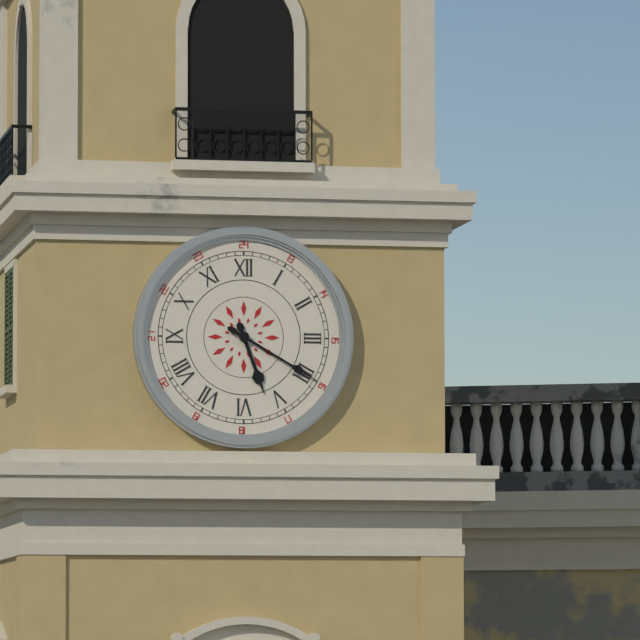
5:20
